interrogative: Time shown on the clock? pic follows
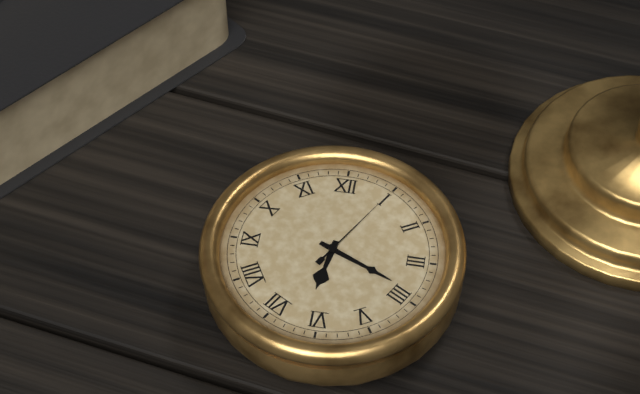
6:19:05
